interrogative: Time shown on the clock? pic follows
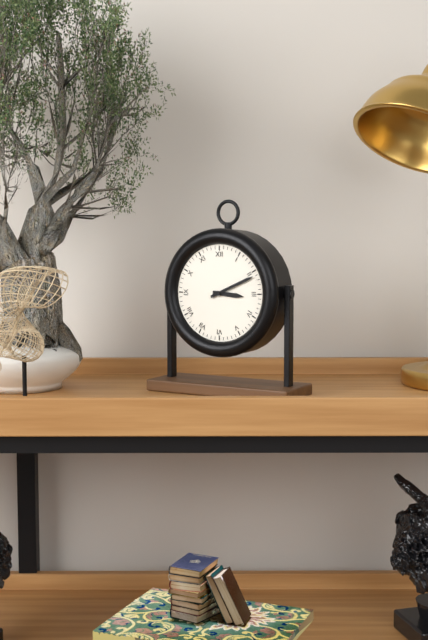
3:11
